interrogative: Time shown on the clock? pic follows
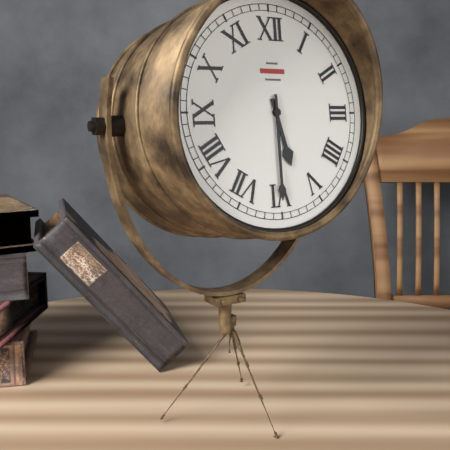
5:30
